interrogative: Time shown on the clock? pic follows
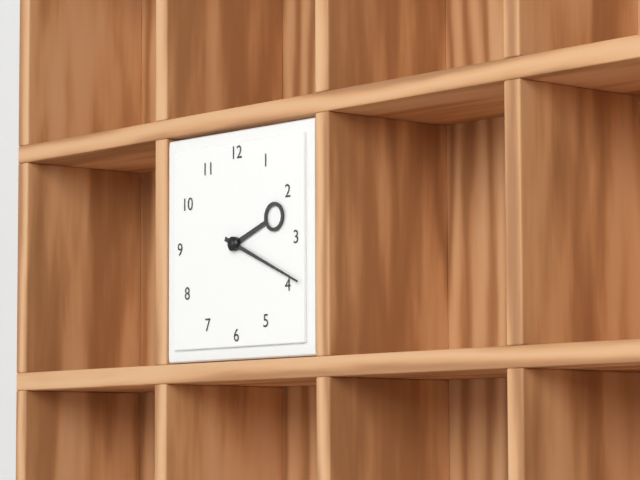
2:19
